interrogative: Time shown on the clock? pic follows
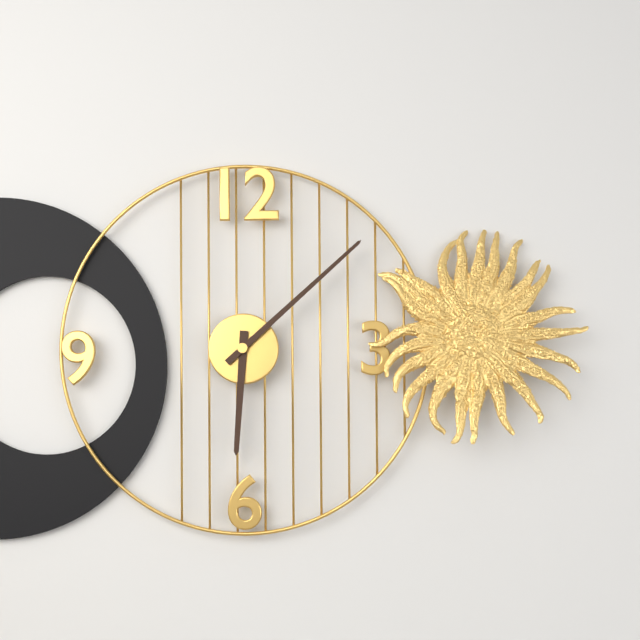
6:08
